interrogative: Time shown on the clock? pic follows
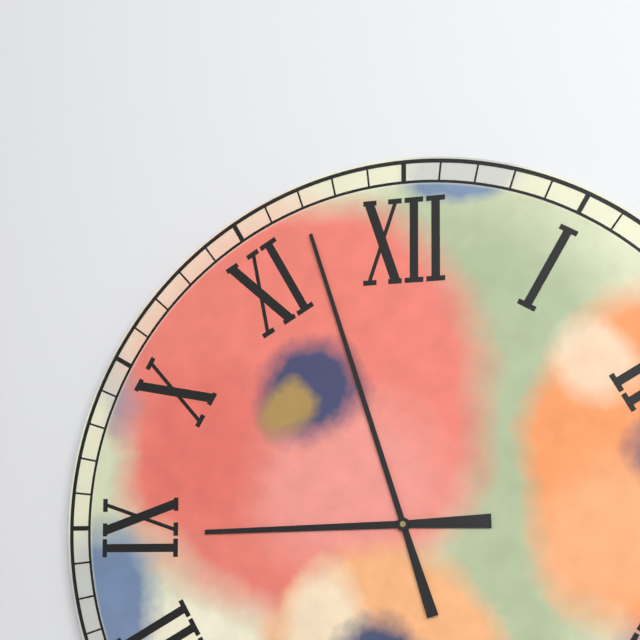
8:57
